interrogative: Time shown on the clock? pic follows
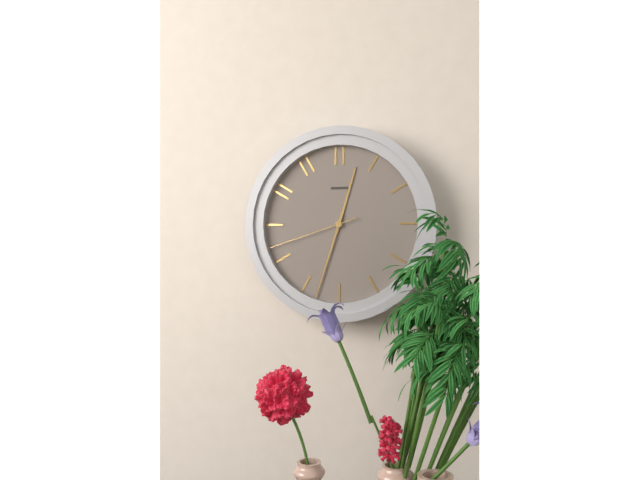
12:33:42
